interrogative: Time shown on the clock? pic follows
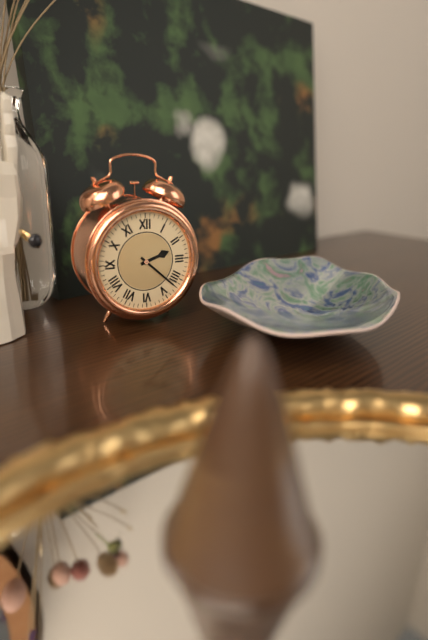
2:22
